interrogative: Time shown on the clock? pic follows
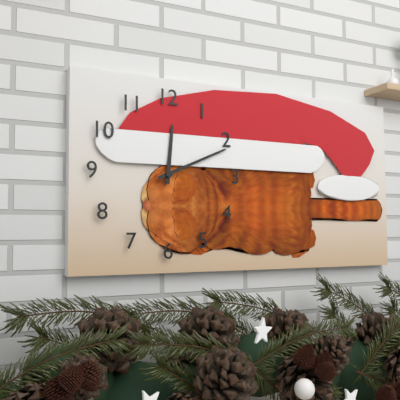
12:11
